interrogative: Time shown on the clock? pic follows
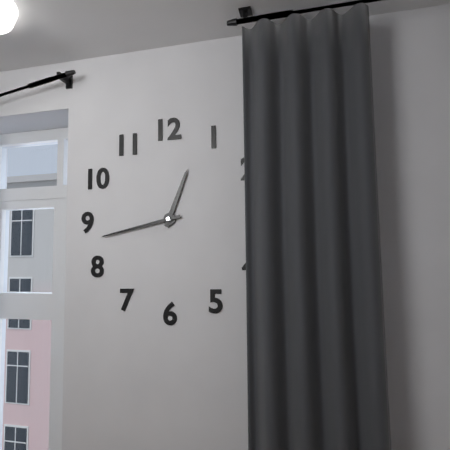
12:43
